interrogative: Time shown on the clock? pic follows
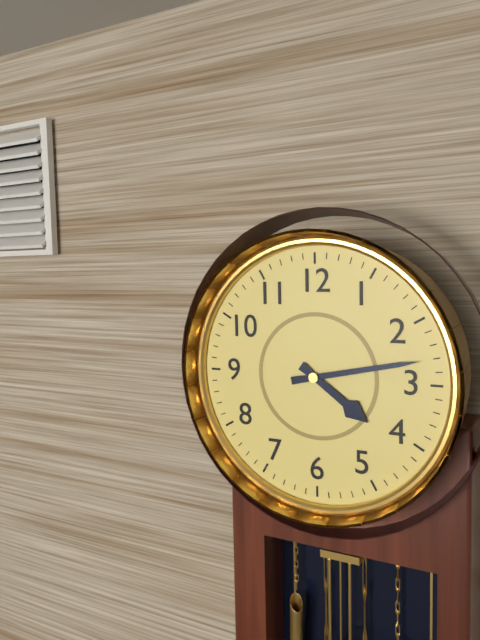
4:13
